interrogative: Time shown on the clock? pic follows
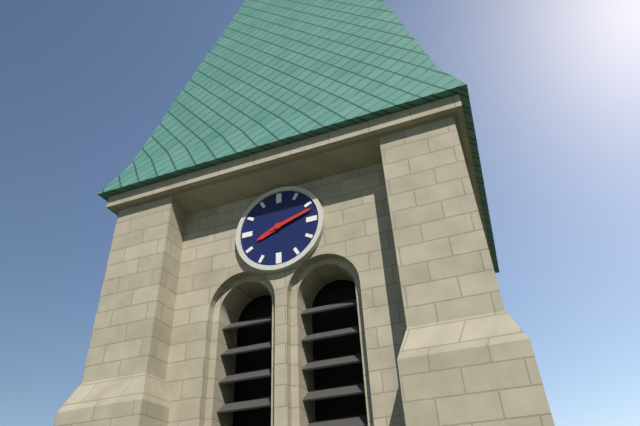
8:12
